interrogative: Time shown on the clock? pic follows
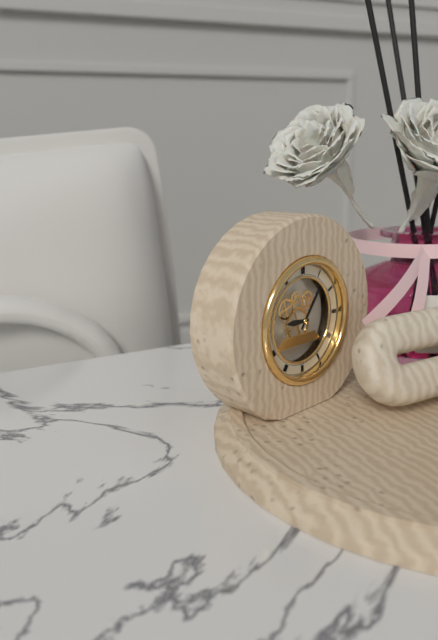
9:06
